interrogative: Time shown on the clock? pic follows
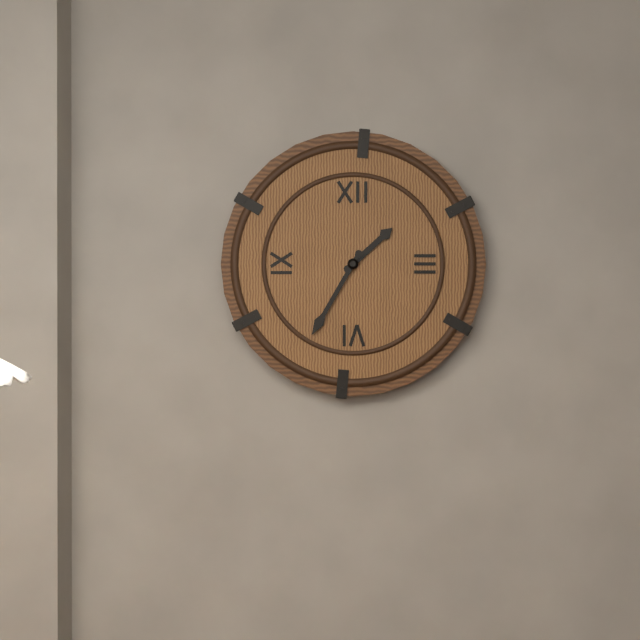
1:35
